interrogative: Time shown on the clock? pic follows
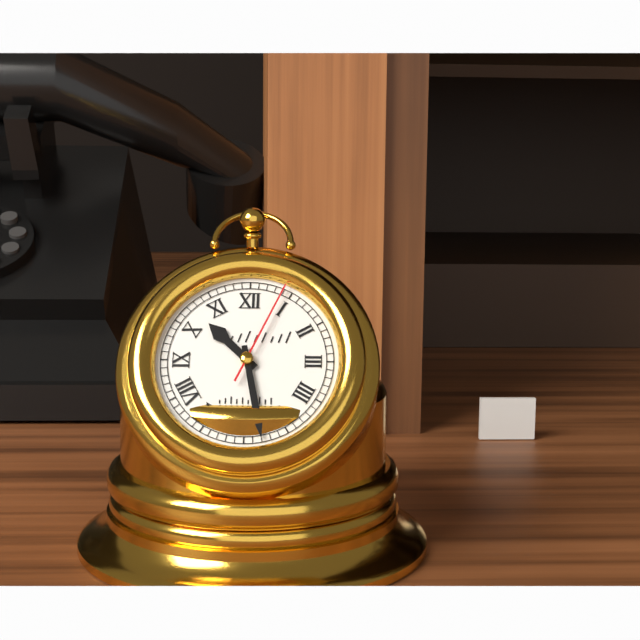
10:28:04
